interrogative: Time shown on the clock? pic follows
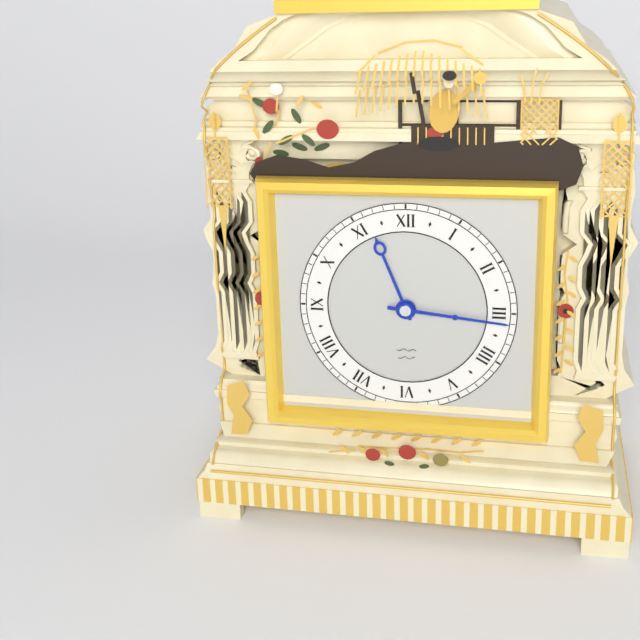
11:16
